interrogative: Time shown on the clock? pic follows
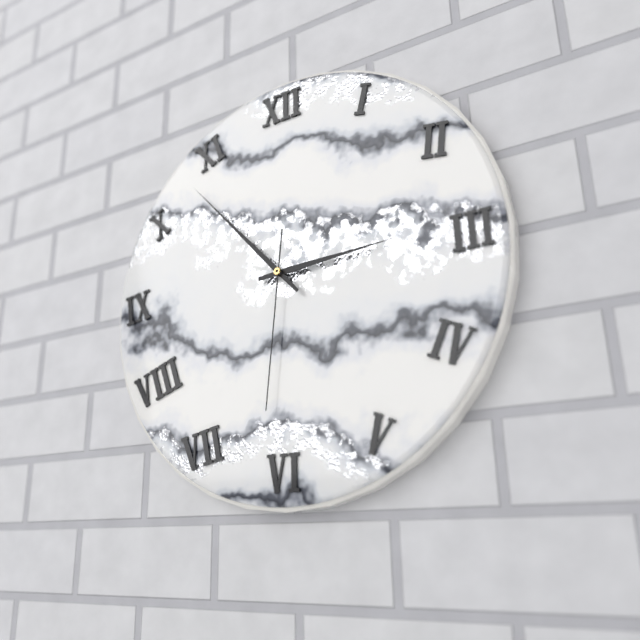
2:53:31
